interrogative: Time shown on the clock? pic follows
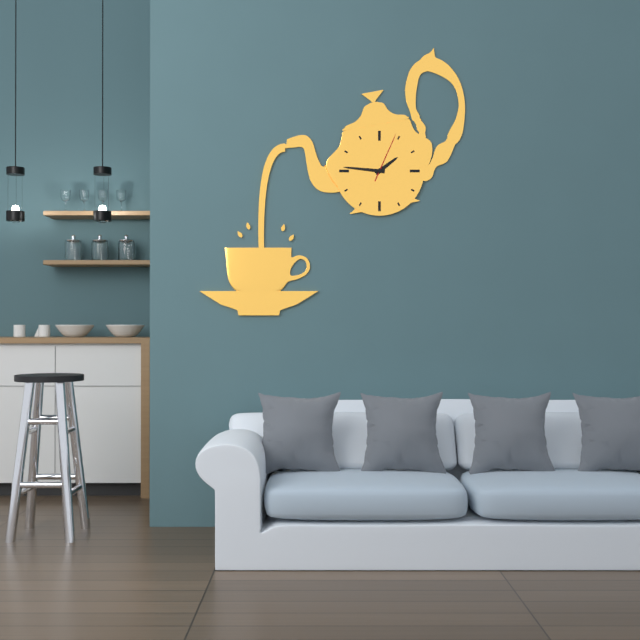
1:46:04
